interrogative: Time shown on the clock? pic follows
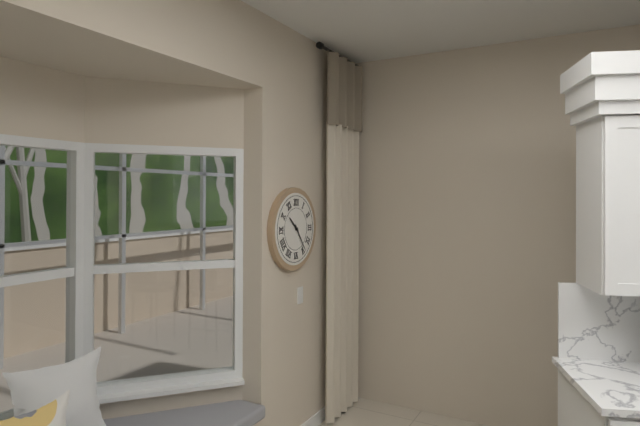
10:24
